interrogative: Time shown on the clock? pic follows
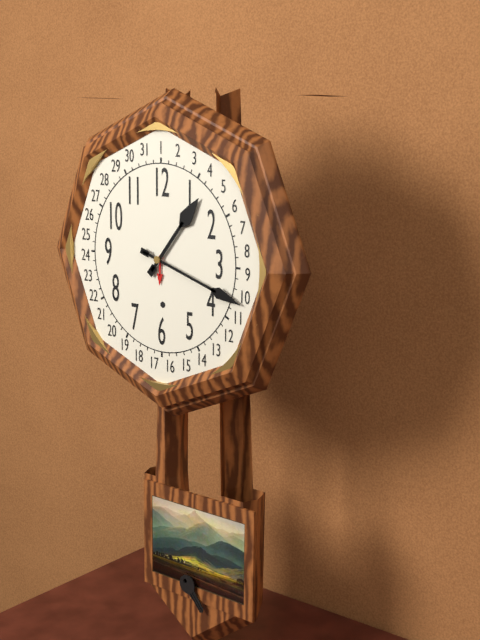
1:18
